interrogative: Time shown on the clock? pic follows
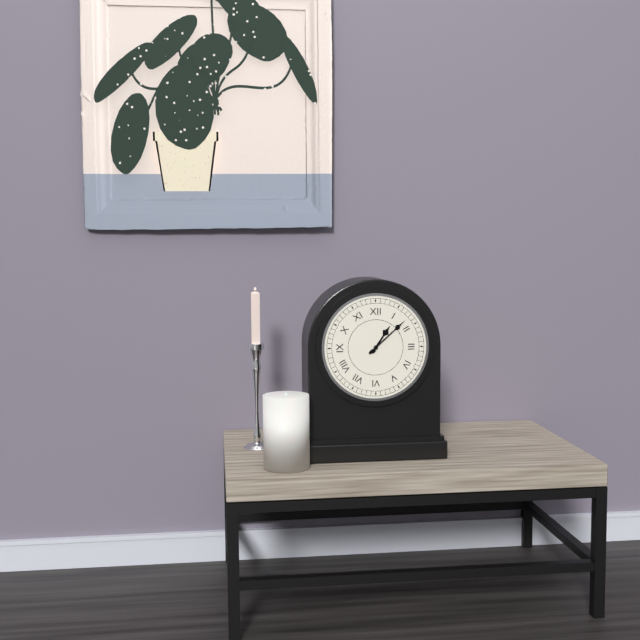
1:08
